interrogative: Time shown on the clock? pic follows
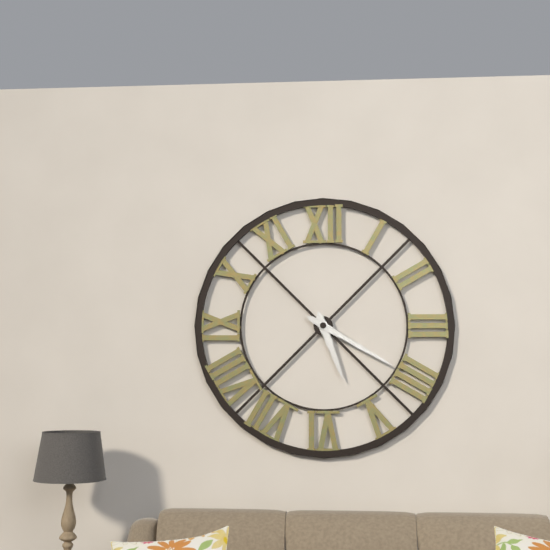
5:20
